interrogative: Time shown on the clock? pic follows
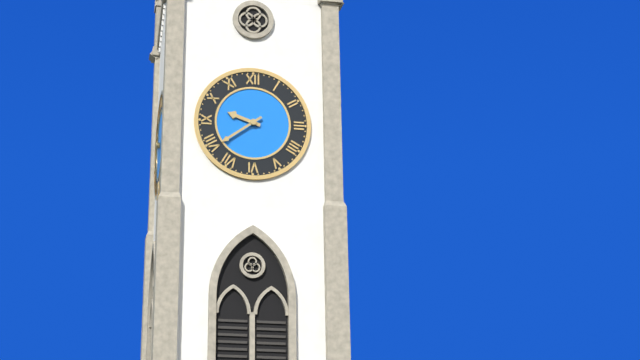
9:39
